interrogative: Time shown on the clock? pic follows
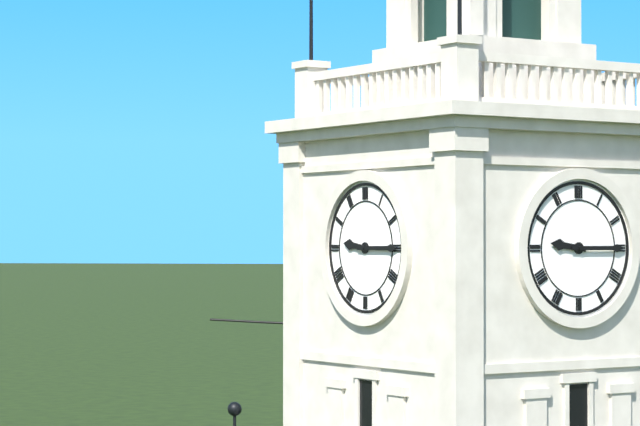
9:15
